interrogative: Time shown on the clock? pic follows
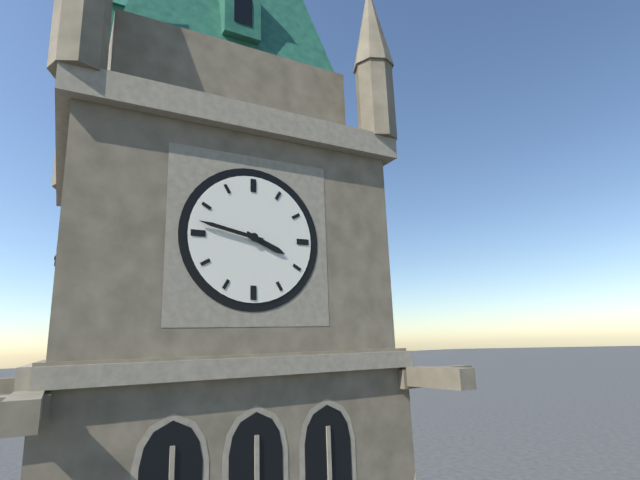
3:47
